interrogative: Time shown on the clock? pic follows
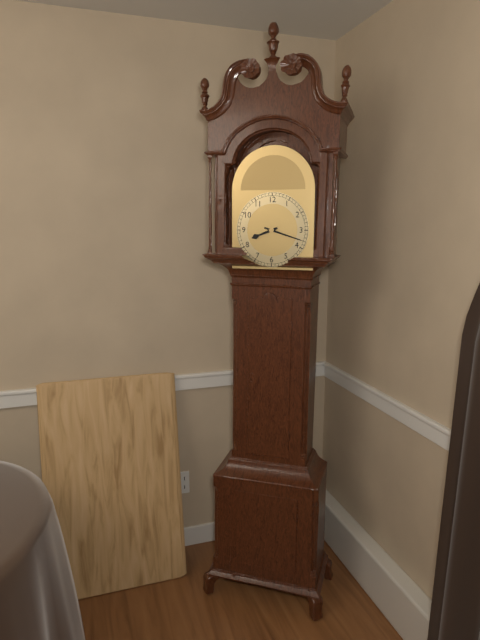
8:18
